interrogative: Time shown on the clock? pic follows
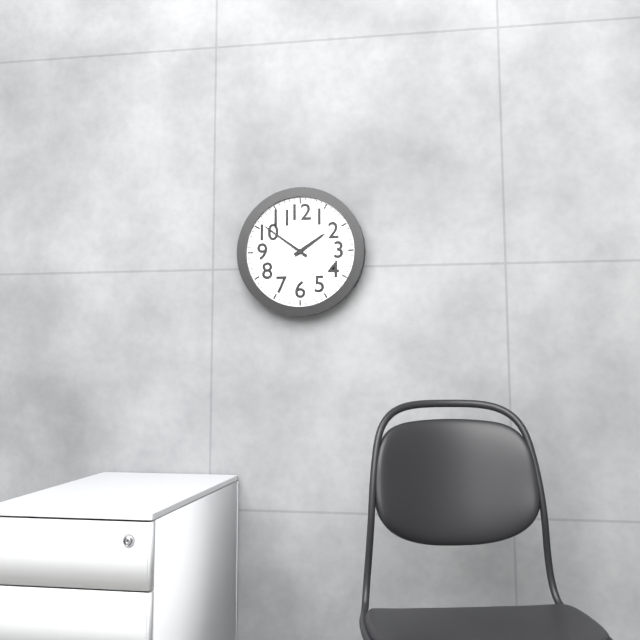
1:51
